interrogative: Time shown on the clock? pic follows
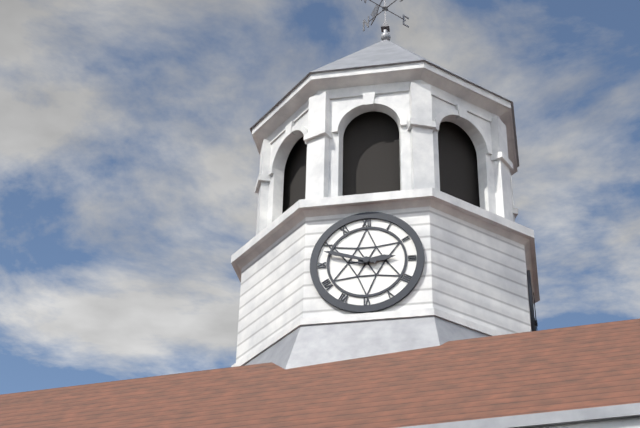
2:48
